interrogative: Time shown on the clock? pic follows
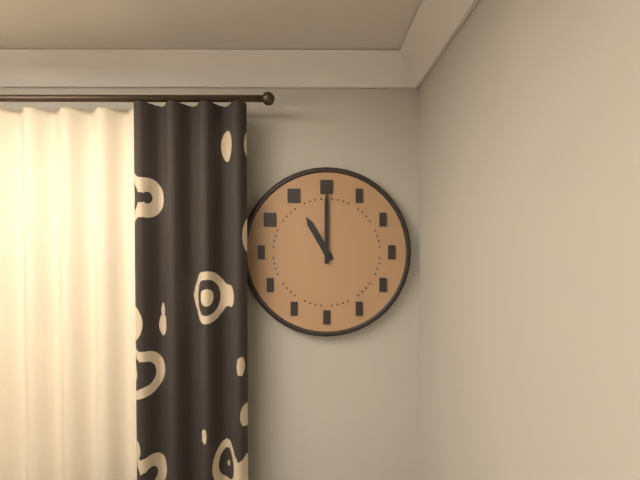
11:00
